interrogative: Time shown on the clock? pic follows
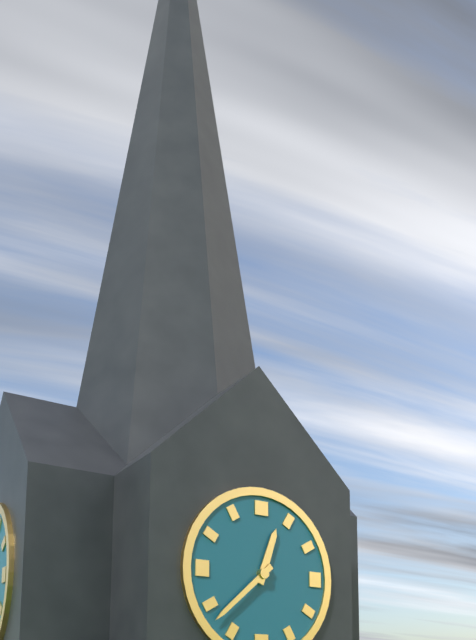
12:38
